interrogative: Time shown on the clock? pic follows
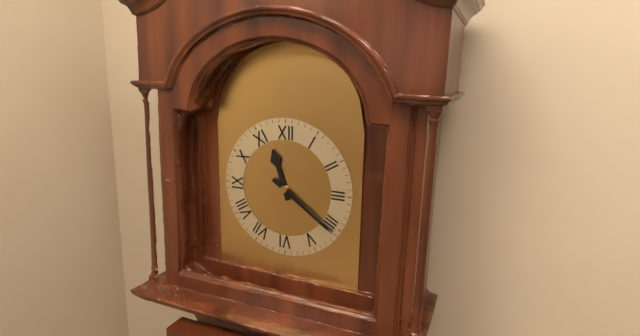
11:21
